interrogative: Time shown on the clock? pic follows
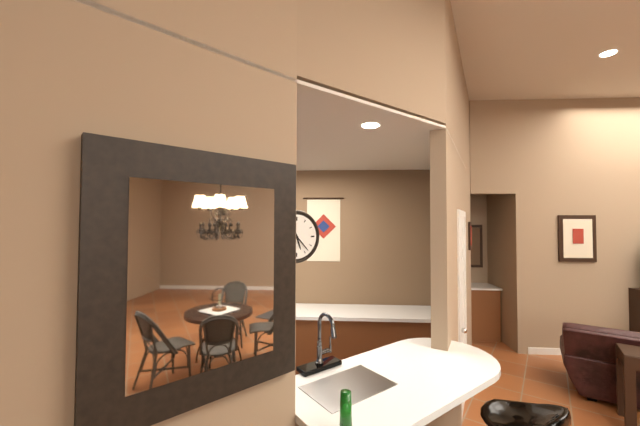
5:23
